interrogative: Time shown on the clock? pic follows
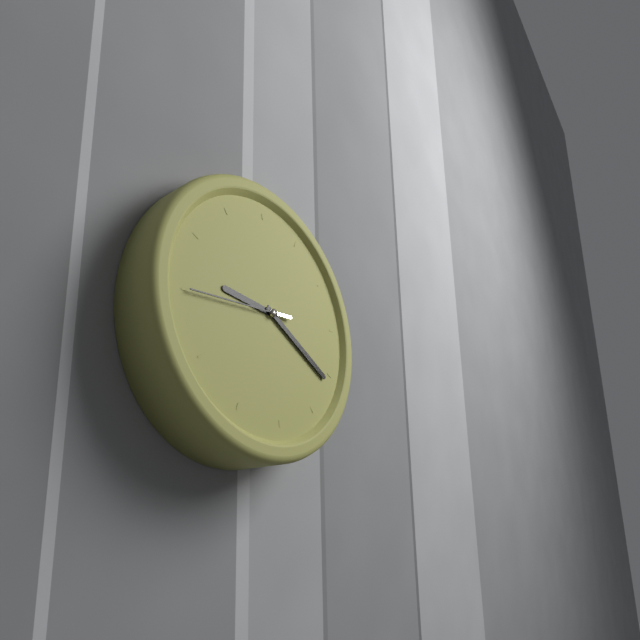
9:21:45
